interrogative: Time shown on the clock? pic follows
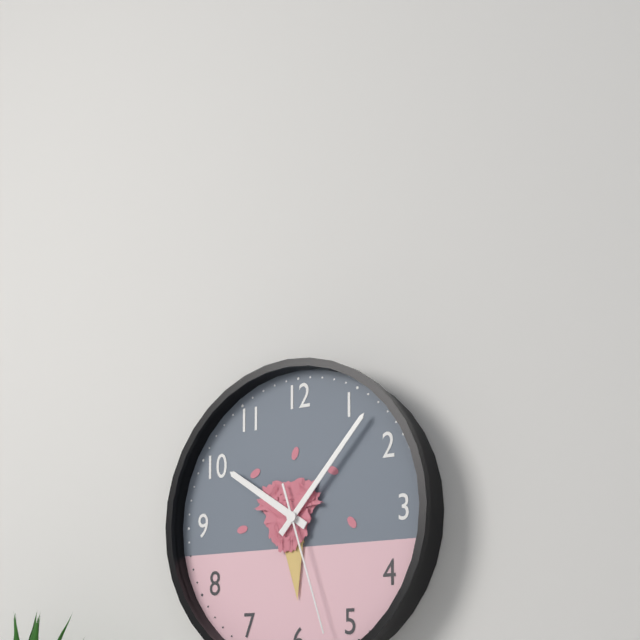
10:07:27
